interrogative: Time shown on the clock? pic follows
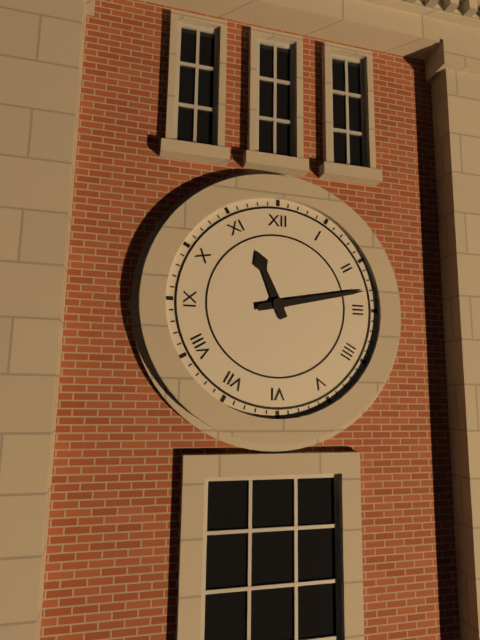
11:13
